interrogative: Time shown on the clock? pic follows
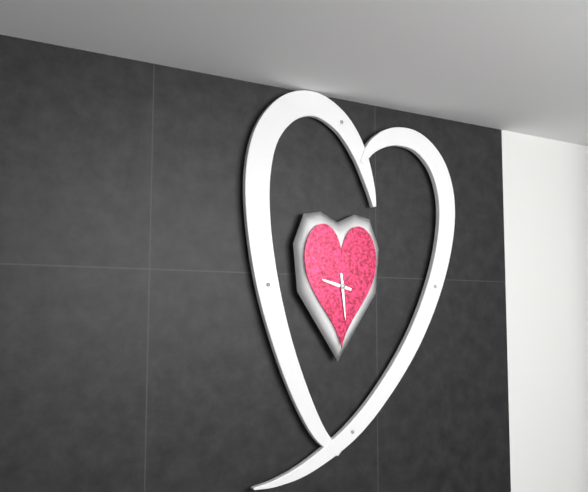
9:29
